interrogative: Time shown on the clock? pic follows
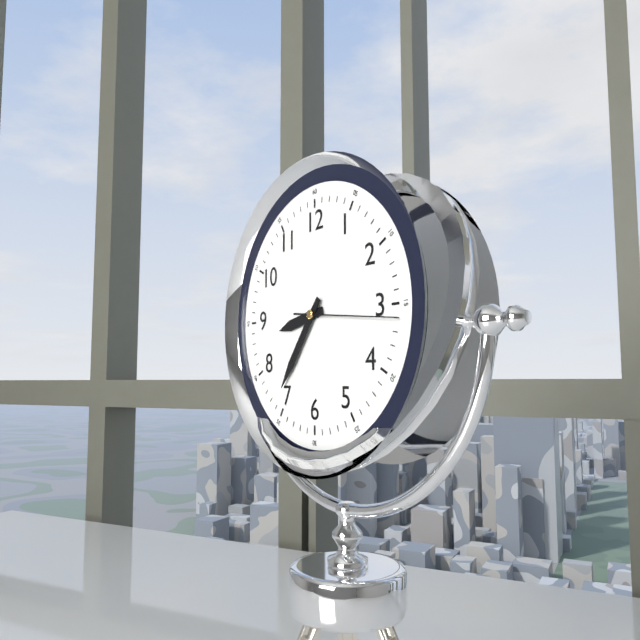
8:36:16
